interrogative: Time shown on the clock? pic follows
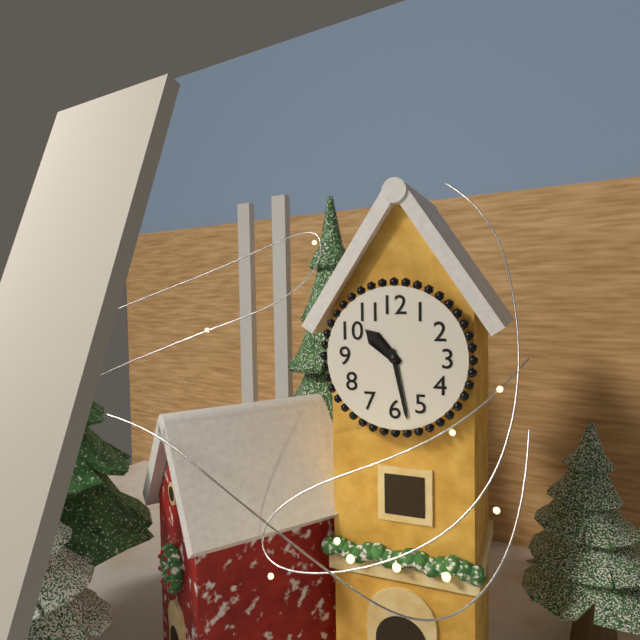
10:28
